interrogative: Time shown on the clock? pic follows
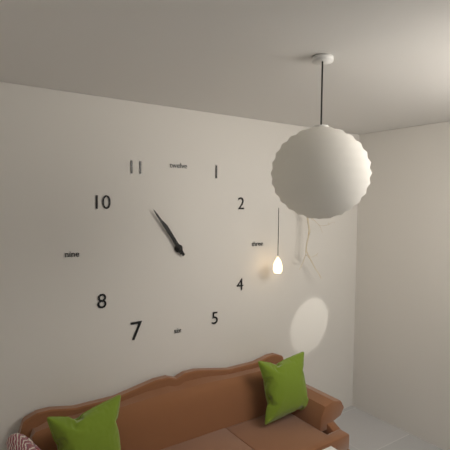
10:54
